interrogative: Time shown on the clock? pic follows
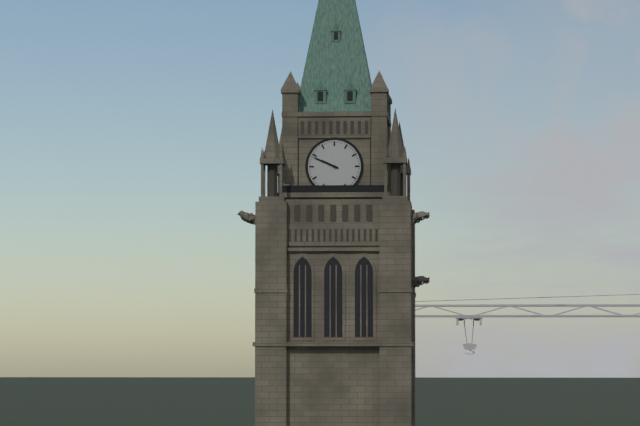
9:49
